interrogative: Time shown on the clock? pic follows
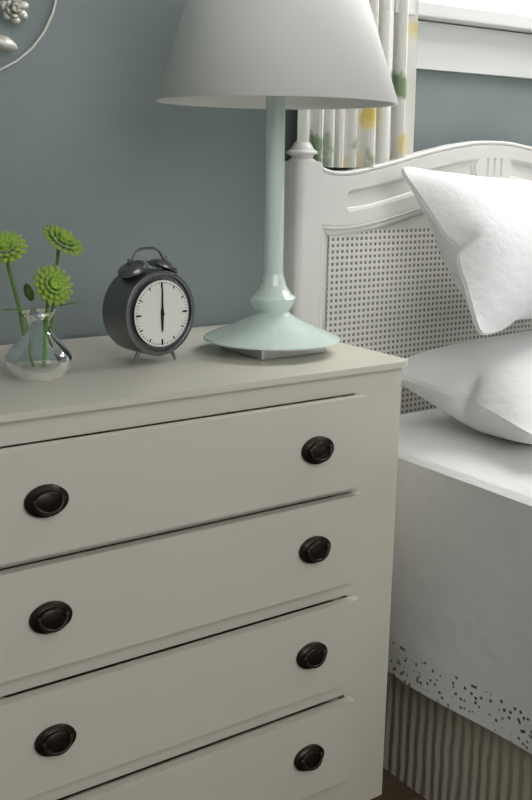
6:00
